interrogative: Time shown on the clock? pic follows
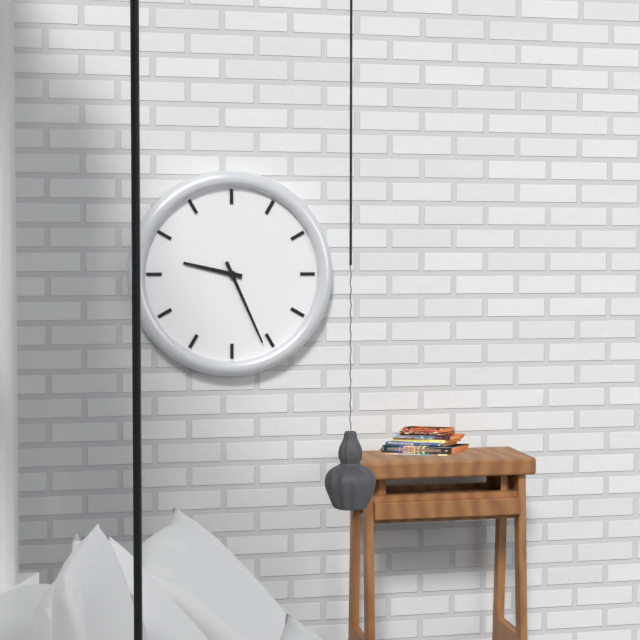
9:26
